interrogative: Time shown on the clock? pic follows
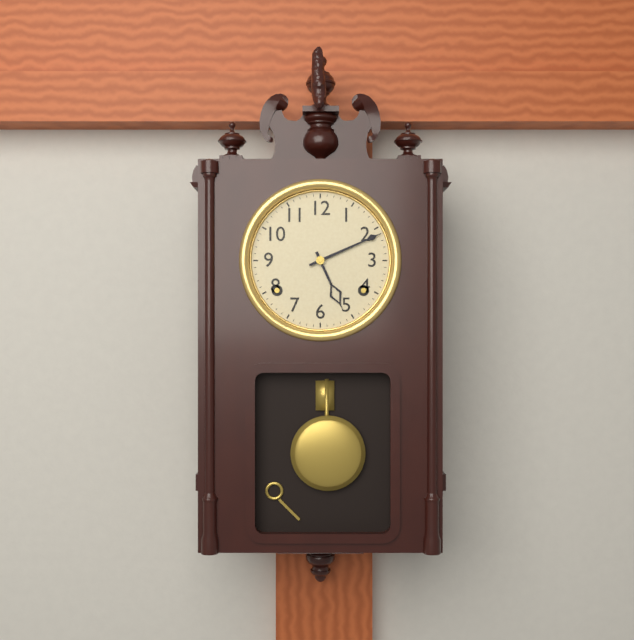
5:11
